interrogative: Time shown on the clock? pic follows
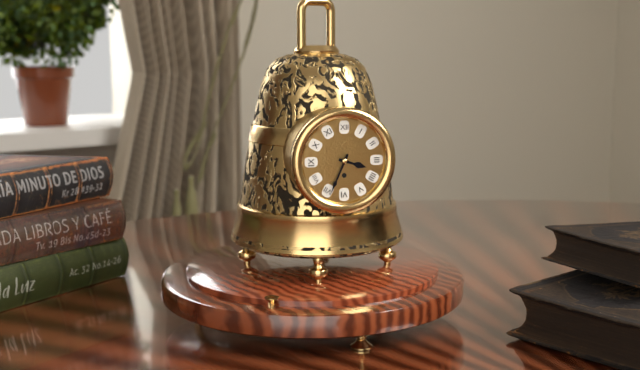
3:34
